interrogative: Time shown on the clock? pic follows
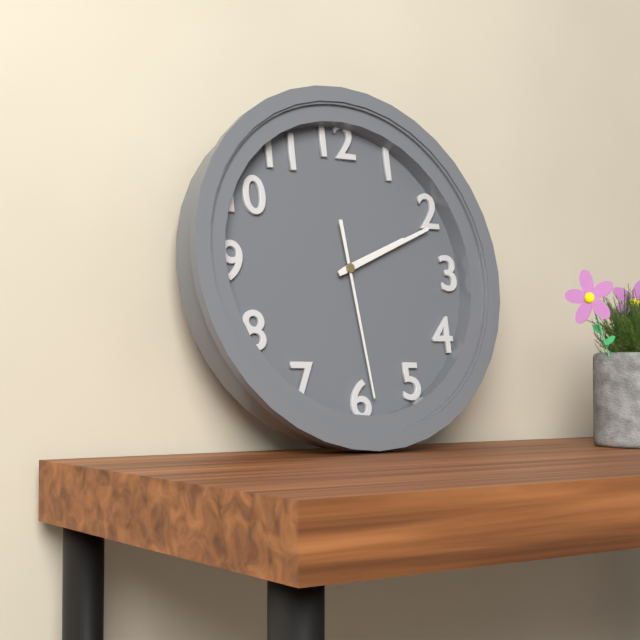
2:11:29
